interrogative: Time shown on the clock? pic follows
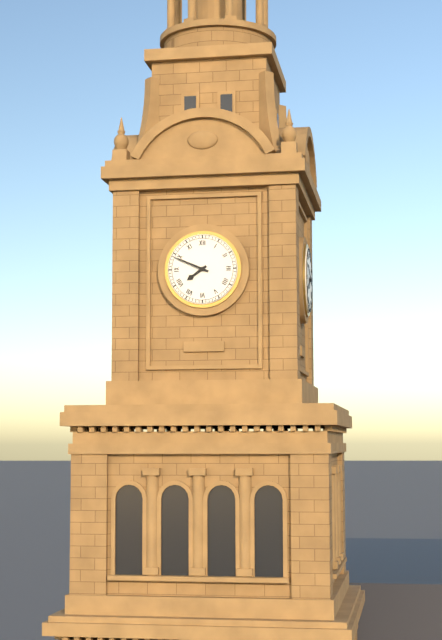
7:49
